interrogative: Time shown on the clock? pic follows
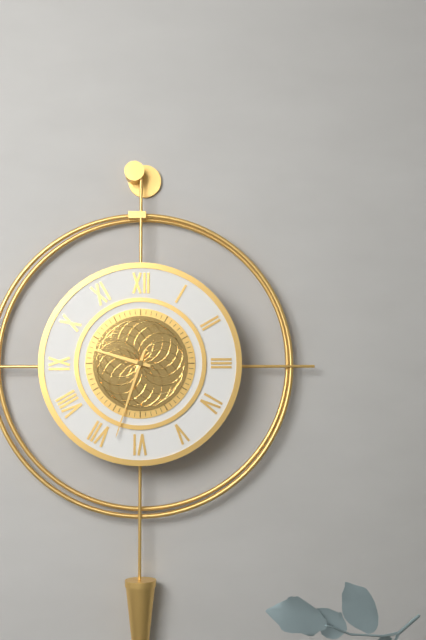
9:33
